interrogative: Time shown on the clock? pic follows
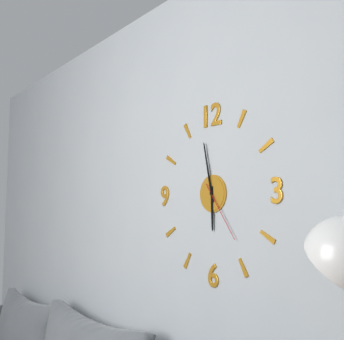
5:58:24
